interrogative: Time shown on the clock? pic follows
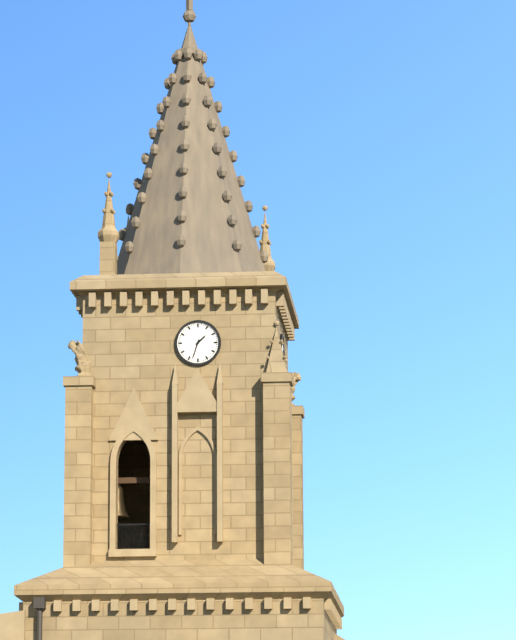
1:33
